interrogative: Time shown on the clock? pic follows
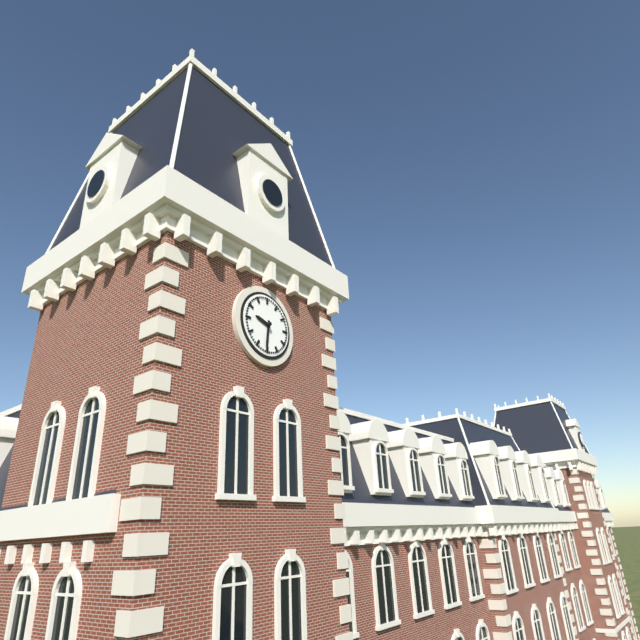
9:31
